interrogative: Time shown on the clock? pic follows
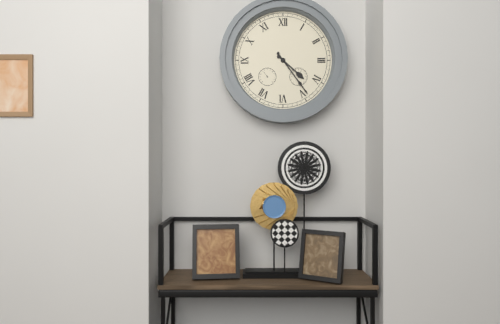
4:24
